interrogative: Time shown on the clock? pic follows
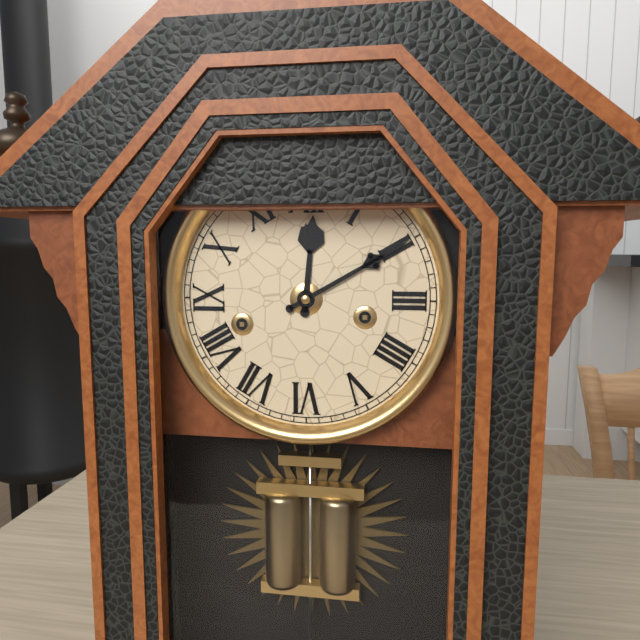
12:10
